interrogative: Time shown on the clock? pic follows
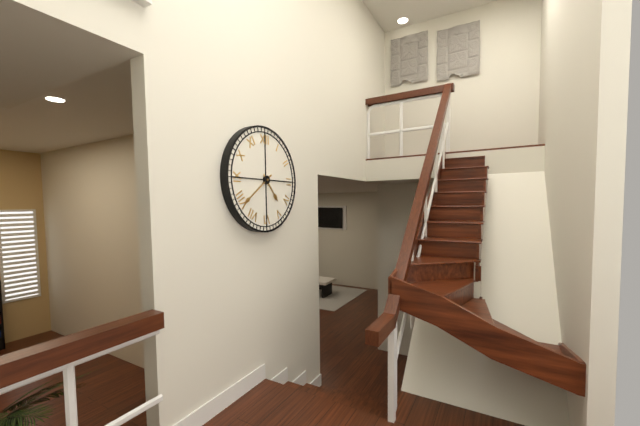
4:39
